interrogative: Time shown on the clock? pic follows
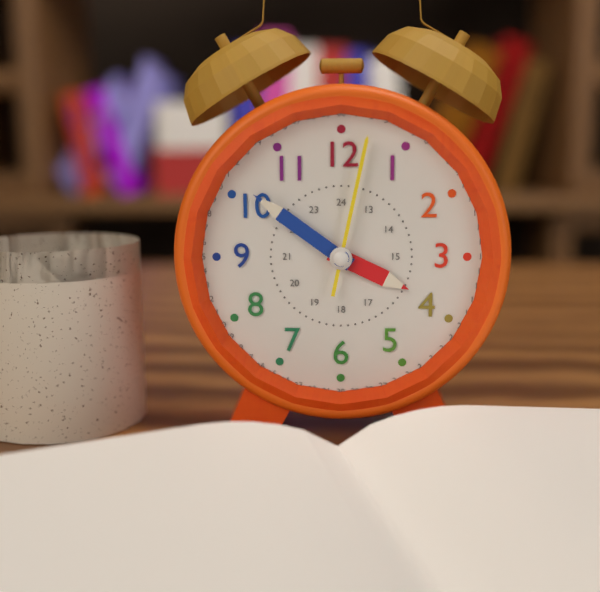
3:51:02
